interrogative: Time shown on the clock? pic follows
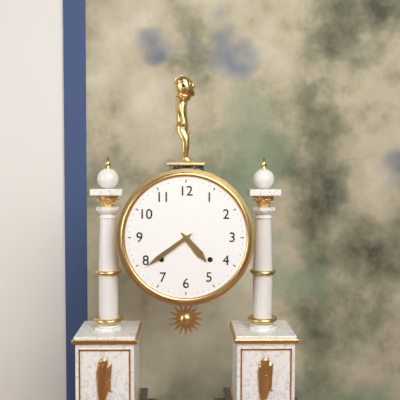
4:39
